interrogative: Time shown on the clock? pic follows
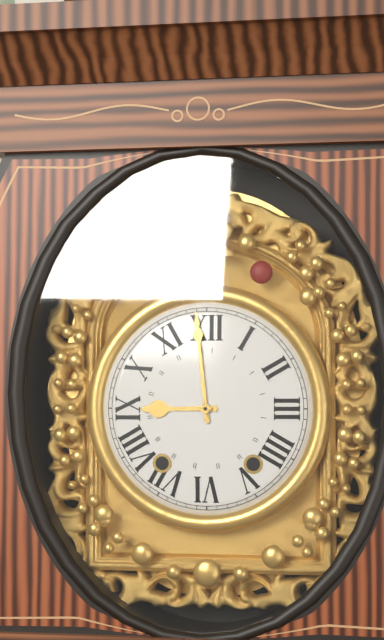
8:59
